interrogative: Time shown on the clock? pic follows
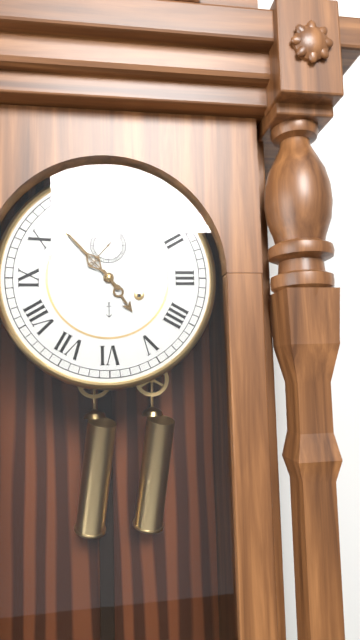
4:53
